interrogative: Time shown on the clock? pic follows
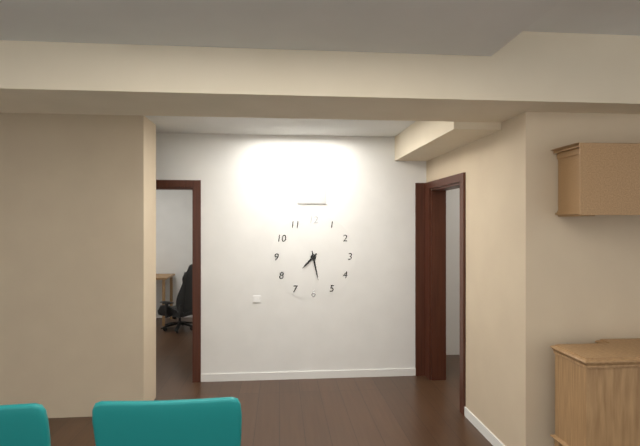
7:28
